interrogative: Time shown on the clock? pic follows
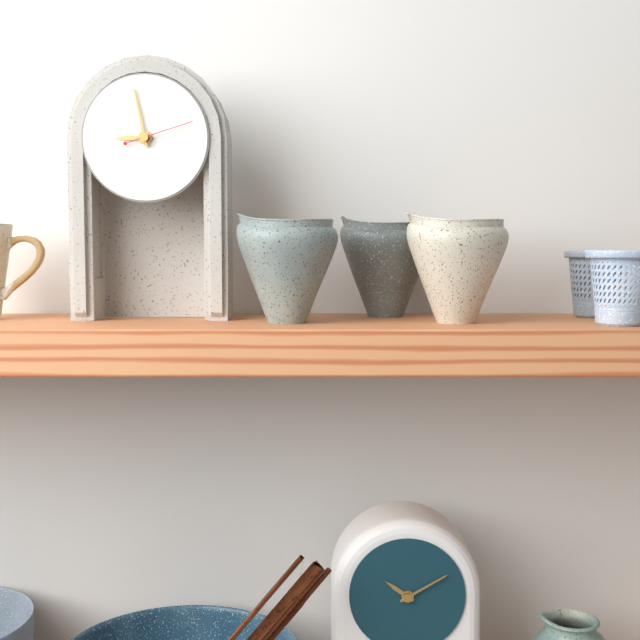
8:58:12
